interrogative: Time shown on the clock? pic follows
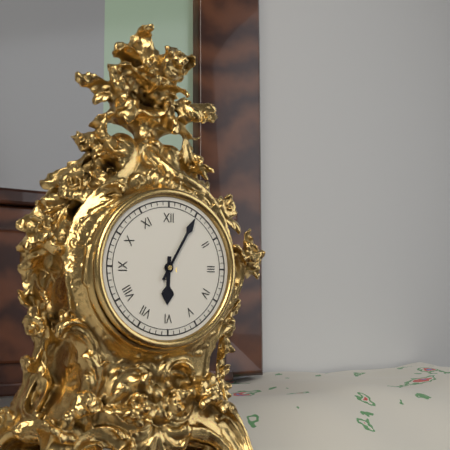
6:05
